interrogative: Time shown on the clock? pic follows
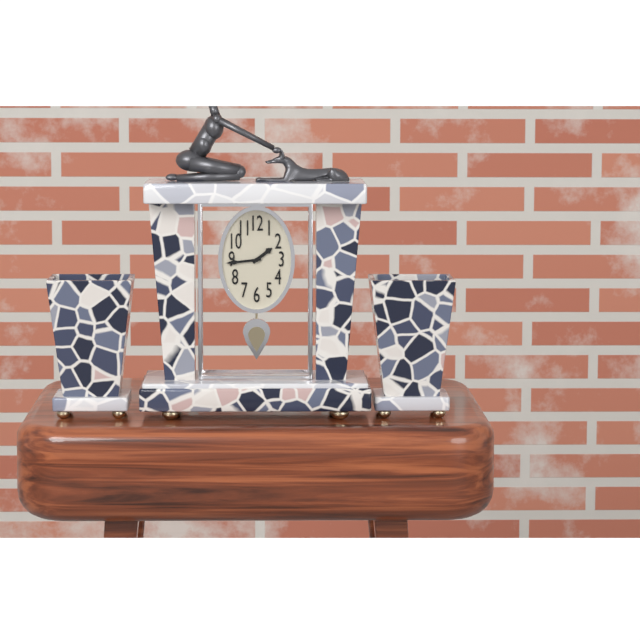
1:44
